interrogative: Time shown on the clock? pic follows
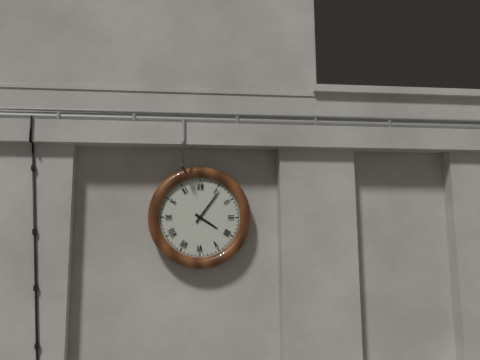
4:06
